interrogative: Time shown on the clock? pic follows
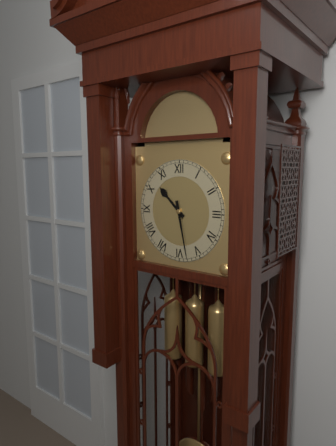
10:28
